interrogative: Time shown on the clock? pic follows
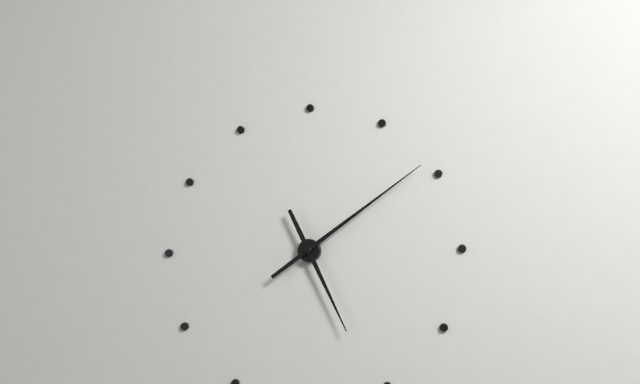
5:09
